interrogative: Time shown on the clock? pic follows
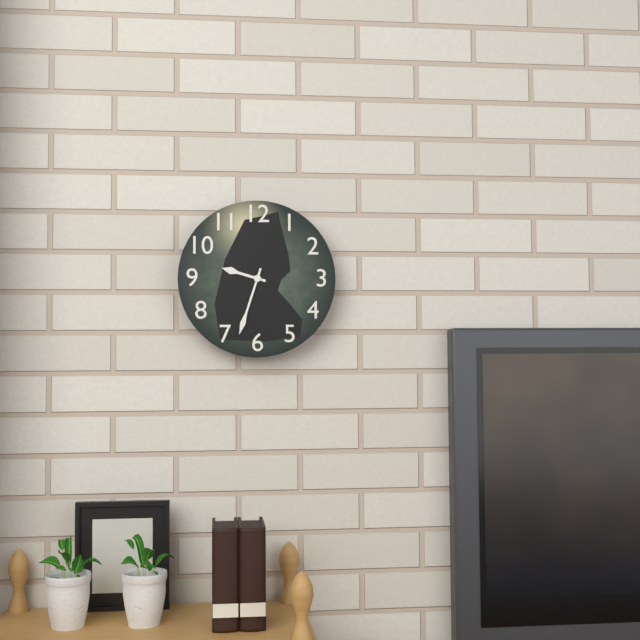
9:33
